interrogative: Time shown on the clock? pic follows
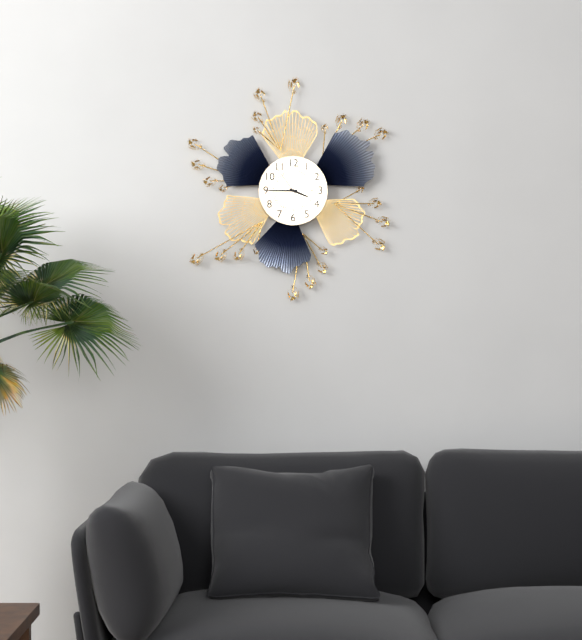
3:45
